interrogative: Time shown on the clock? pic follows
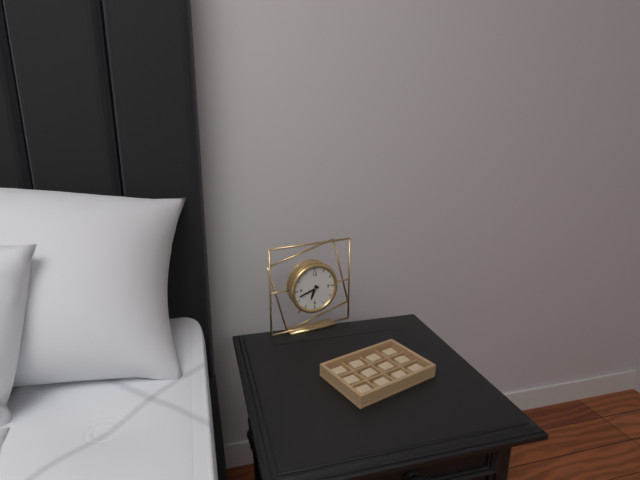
6:42
